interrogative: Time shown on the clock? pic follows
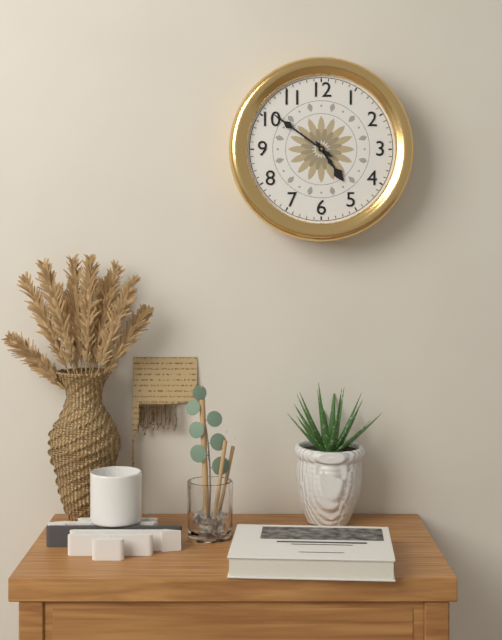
4:51
